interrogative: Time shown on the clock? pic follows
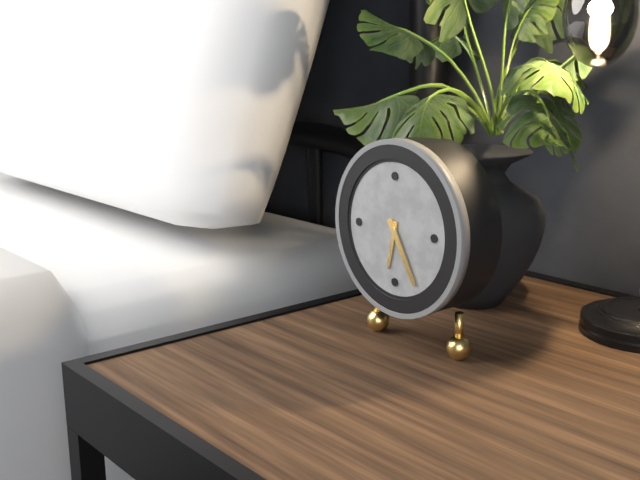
6:25
